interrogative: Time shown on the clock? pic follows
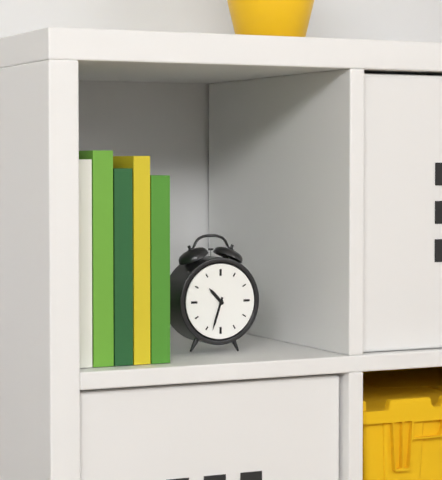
10:33
